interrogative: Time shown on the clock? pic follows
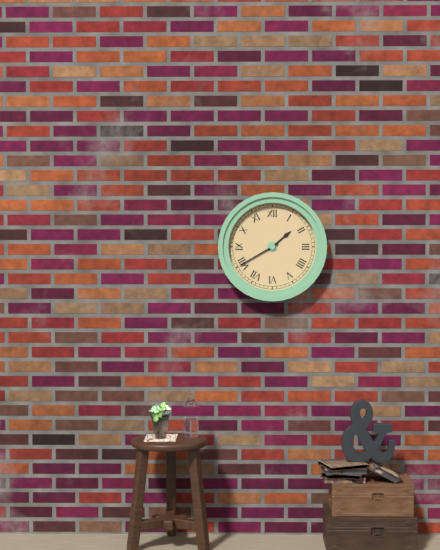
1:40
